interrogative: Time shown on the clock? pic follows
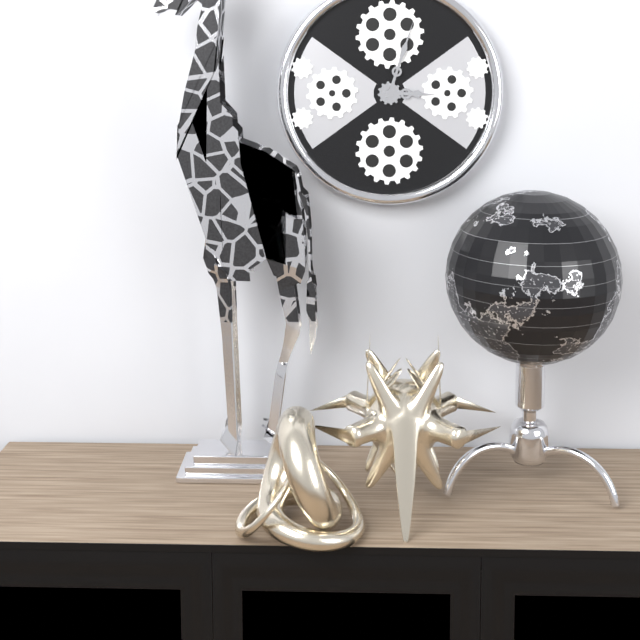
3:03
